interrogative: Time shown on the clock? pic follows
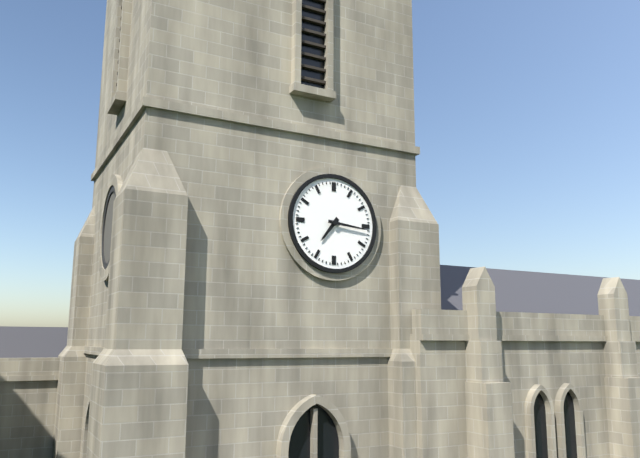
7:16
